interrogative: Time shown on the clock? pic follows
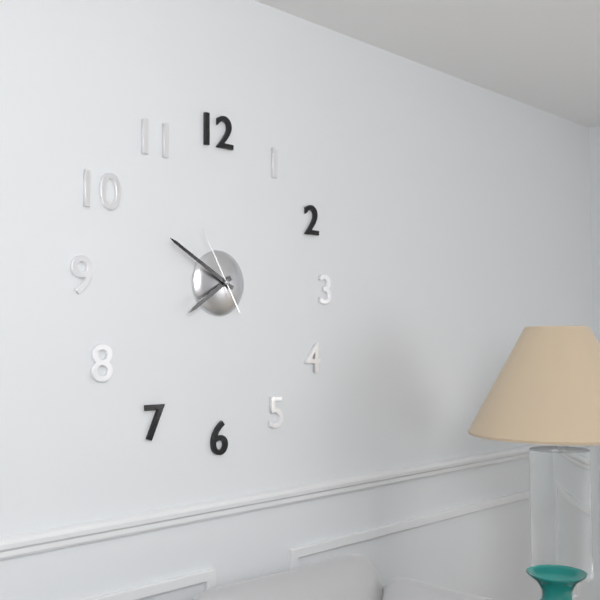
7:50:55
